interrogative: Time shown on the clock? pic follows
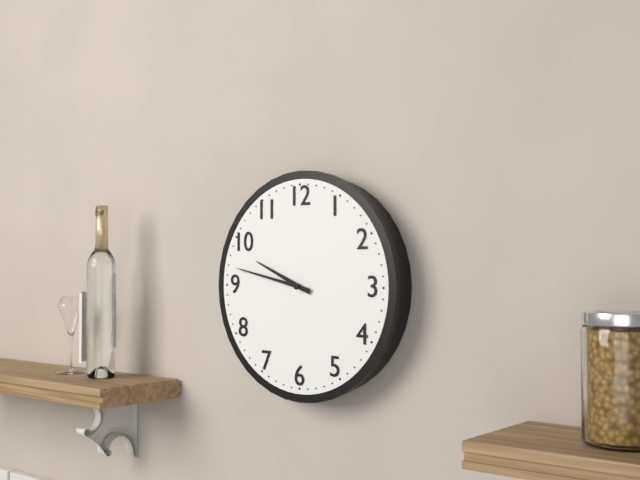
9:47
